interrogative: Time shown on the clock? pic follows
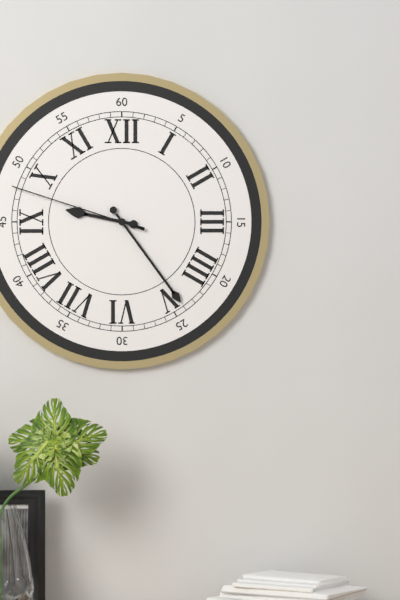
9:24:48
